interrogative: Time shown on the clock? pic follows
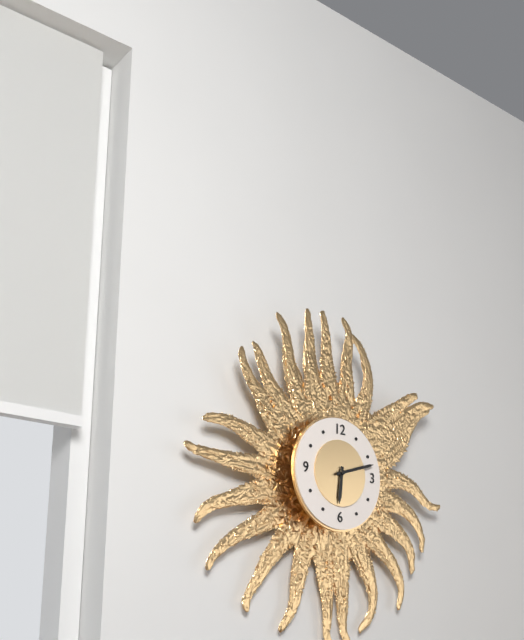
6:12
